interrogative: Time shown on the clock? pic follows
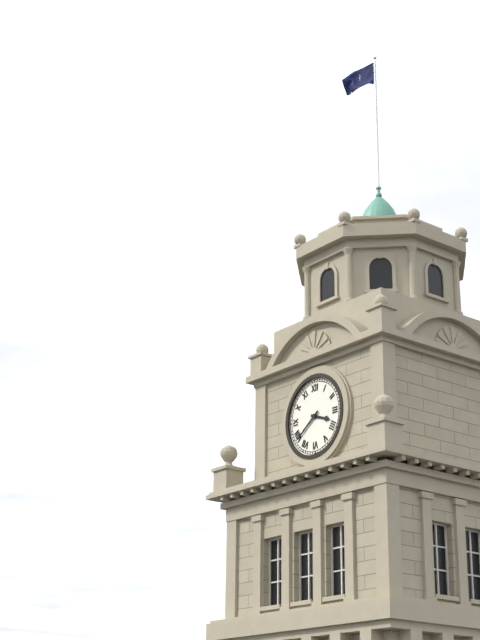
3:39
